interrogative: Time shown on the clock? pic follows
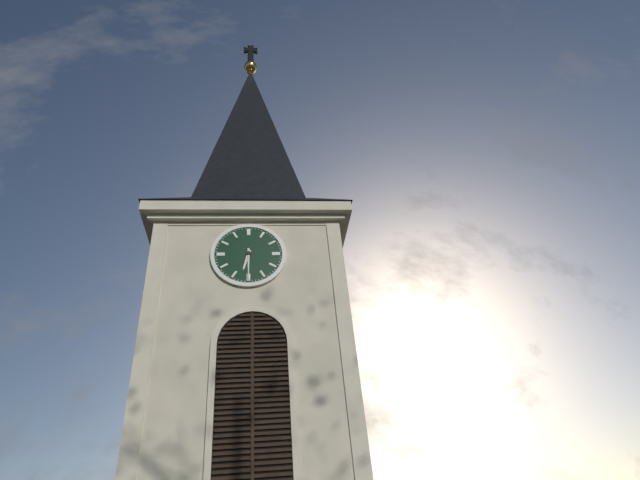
6:30
